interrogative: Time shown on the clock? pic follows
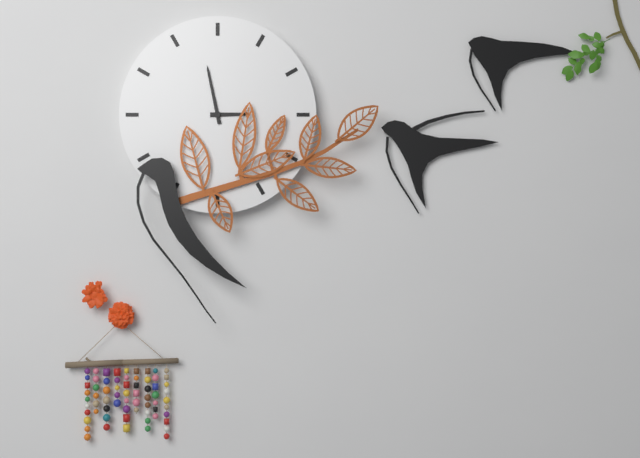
2:58
